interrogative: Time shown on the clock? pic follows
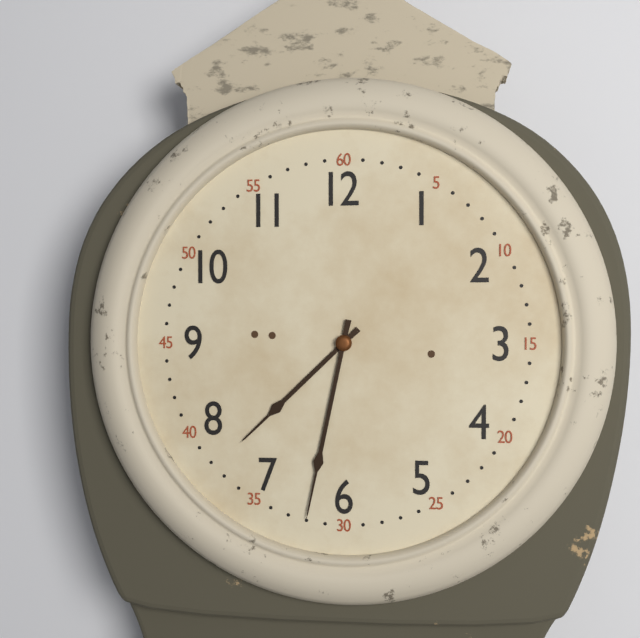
7:32
